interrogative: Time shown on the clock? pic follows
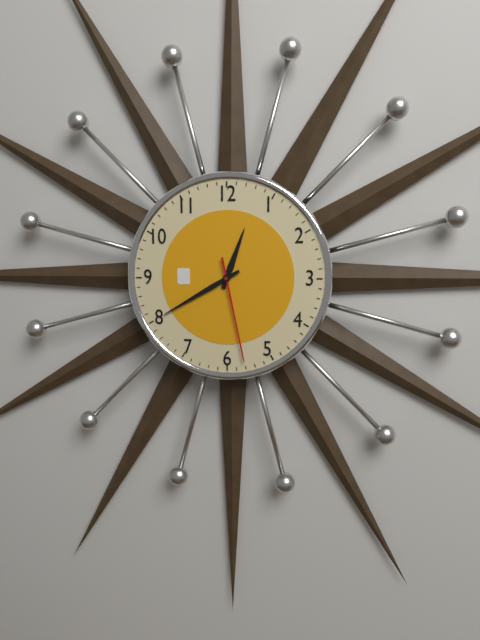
12:40:28
